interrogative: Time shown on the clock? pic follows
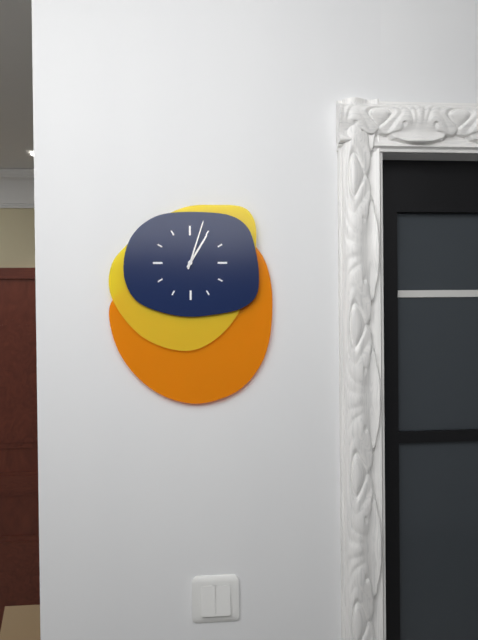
1:03
